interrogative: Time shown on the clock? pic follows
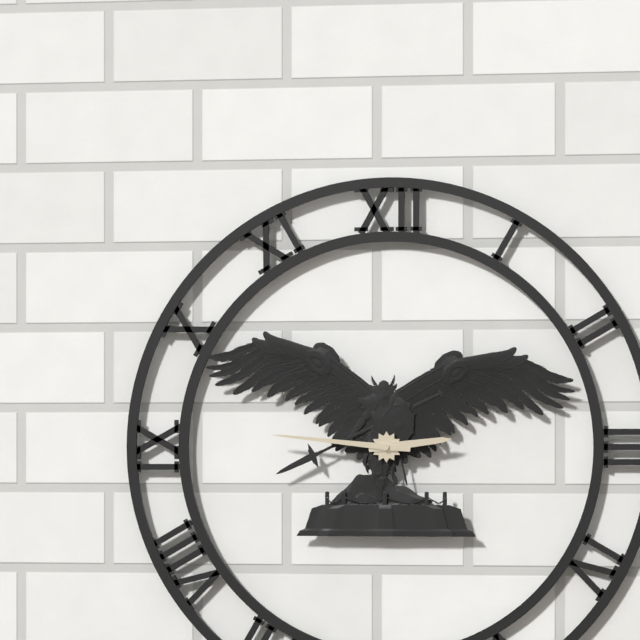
2:46
